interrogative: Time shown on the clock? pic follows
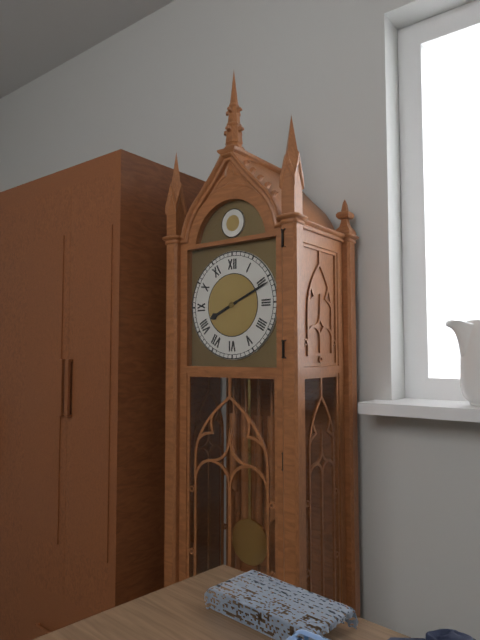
8:11
